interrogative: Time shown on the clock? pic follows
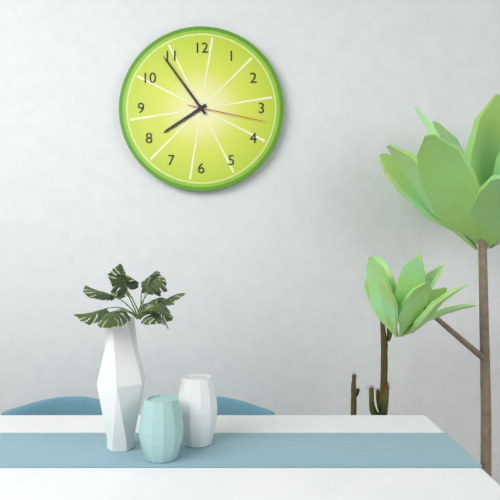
7:54:17
